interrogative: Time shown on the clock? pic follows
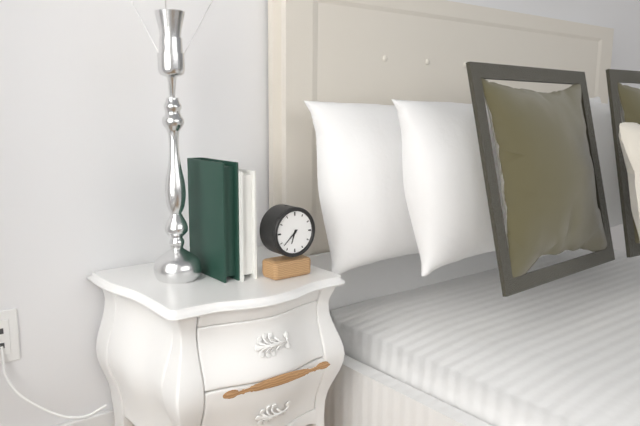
6:38
